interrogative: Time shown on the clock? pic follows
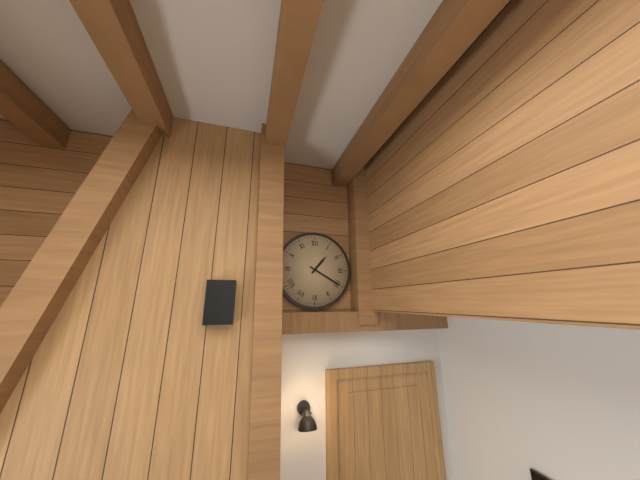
1:20
